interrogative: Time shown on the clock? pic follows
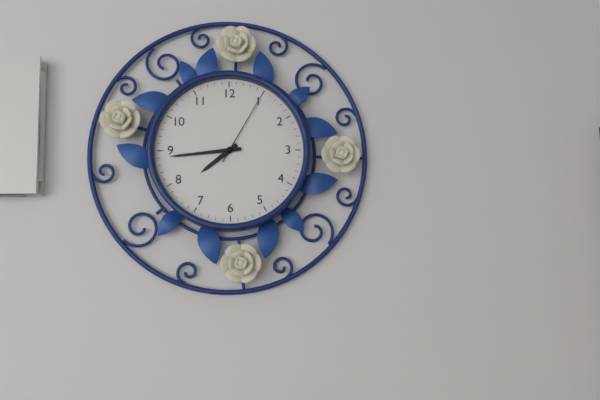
7:44:05
